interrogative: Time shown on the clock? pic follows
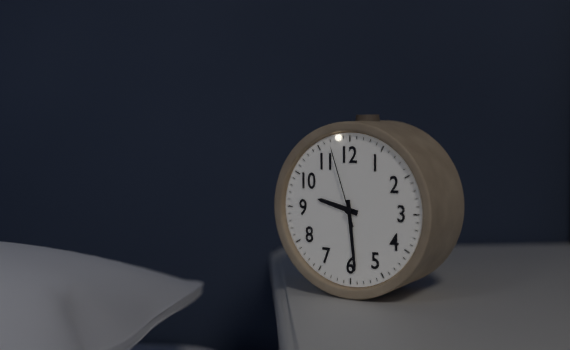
9:29:57
